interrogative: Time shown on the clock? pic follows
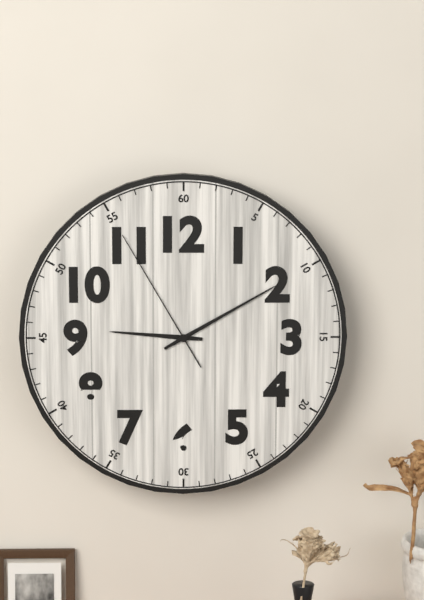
9:10:55
